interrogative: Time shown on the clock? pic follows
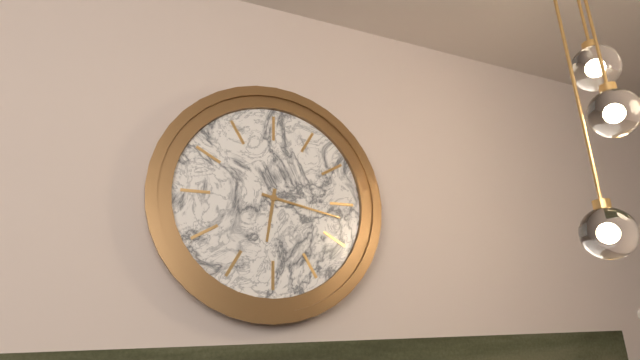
6:17
